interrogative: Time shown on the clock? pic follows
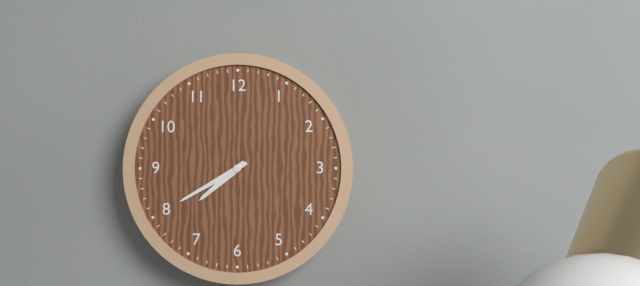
7:40
